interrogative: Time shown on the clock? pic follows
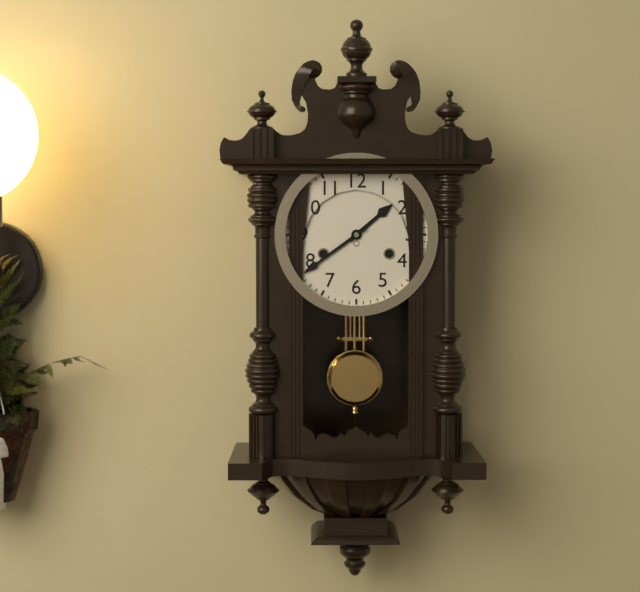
1:39
